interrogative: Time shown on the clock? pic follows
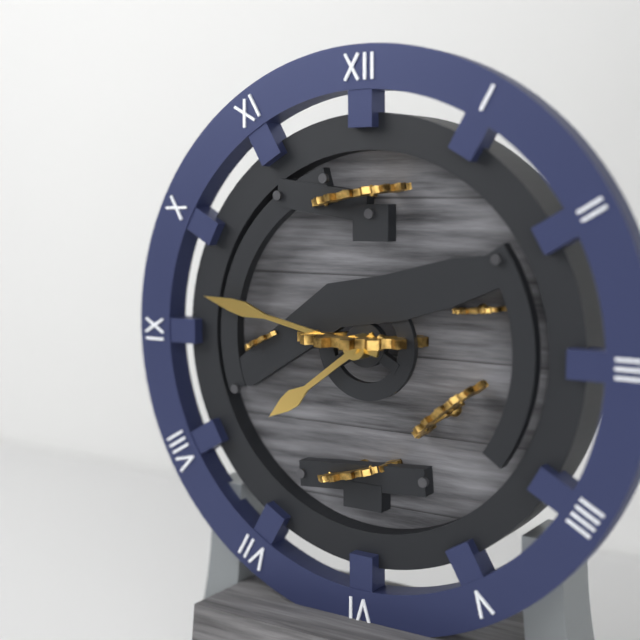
7:47
